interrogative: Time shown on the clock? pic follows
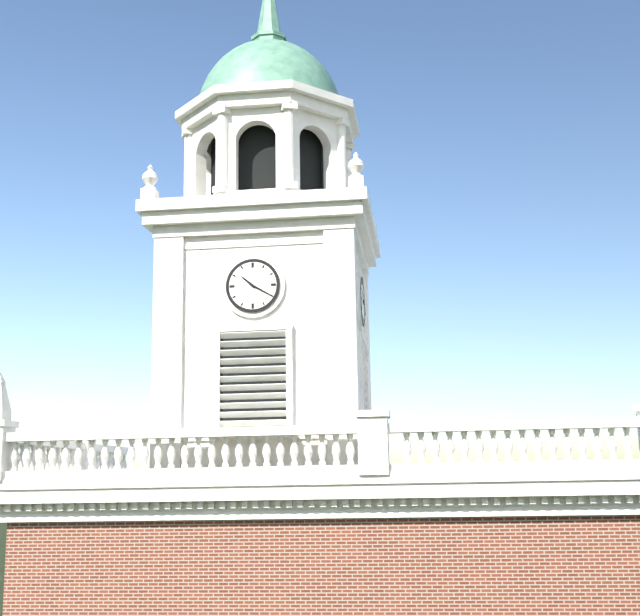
10:20
